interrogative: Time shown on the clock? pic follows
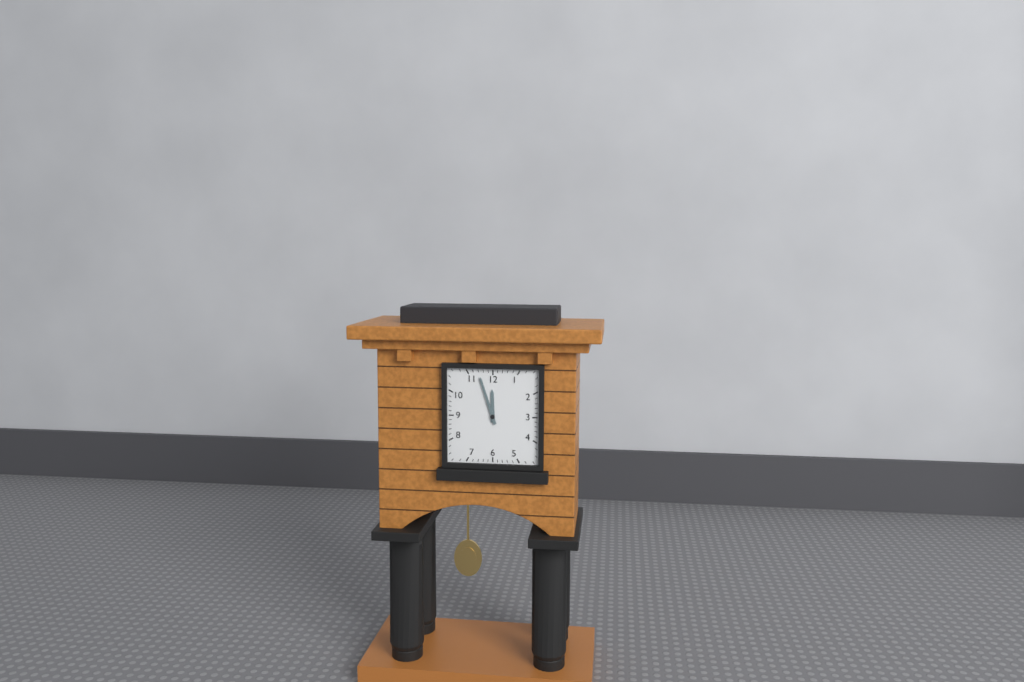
11:57
